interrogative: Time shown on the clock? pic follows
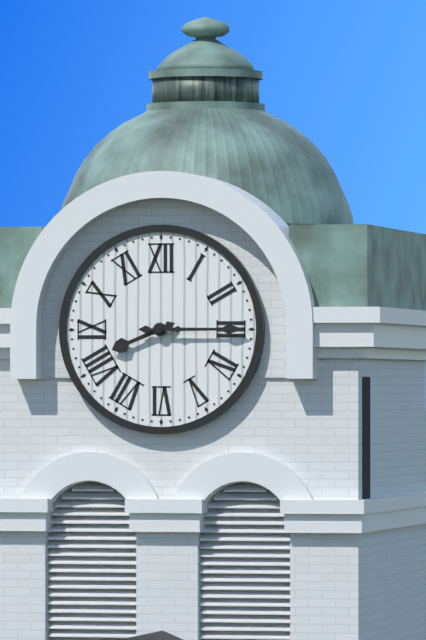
8:15
